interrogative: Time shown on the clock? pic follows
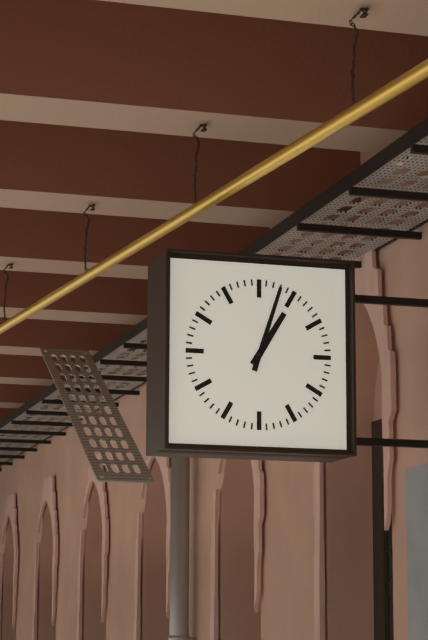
1:03
